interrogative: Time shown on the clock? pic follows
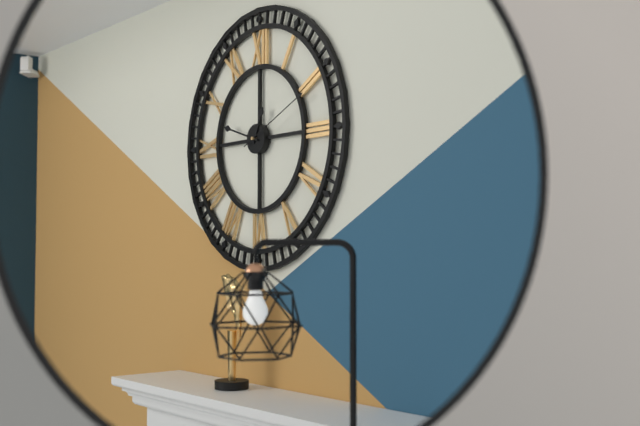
12:48:11
